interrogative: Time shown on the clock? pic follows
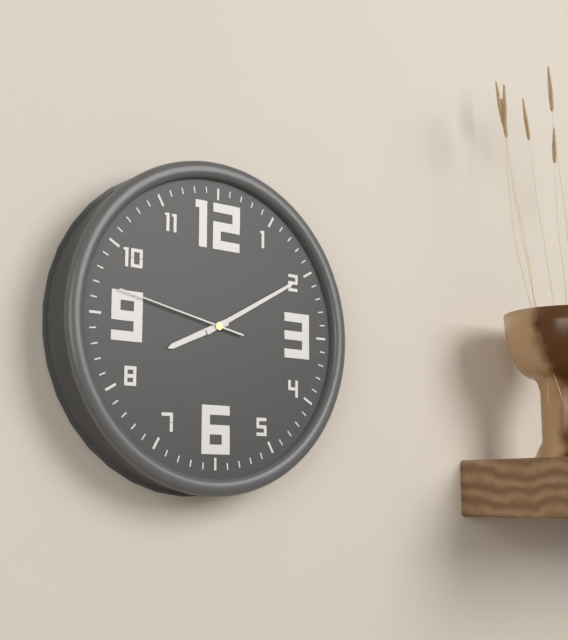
8:10:47
